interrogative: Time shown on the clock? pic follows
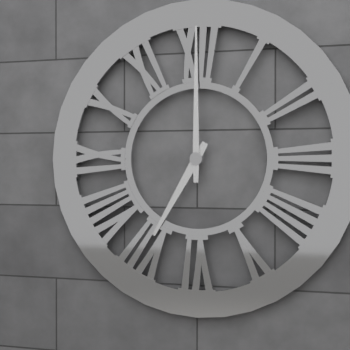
7:00
